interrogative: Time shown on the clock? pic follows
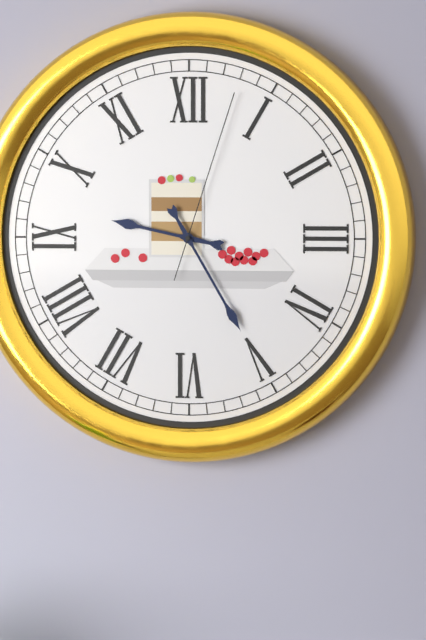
9:25:03
